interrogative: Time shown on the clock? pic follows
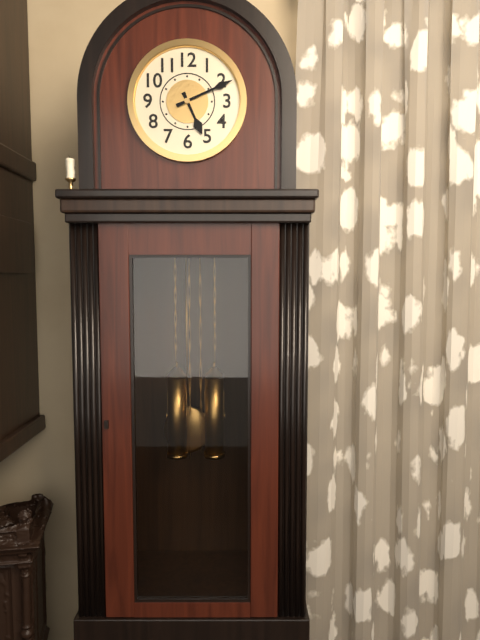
5:11
